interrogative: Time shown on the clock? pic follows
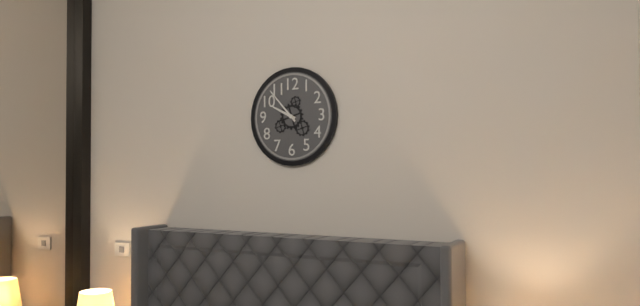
9:53
